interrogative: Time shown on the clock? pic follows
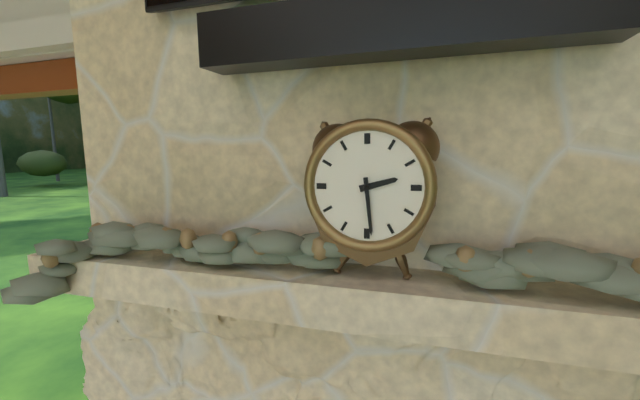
2:29
